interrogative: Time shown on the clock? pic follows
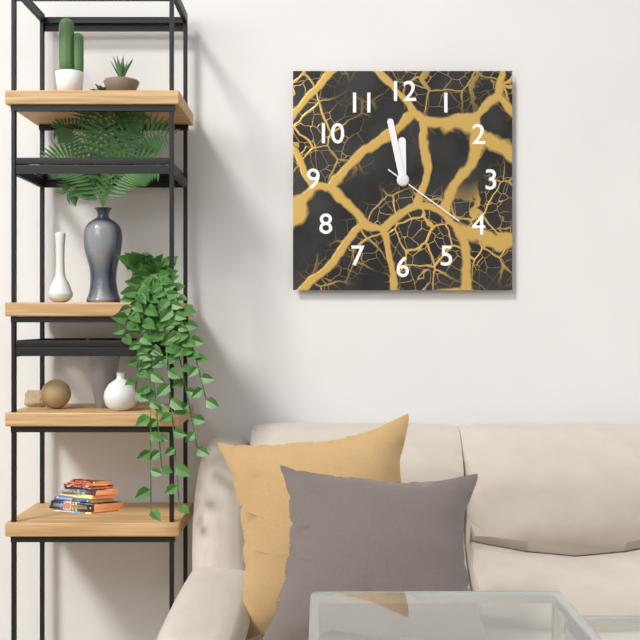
11:58:21
